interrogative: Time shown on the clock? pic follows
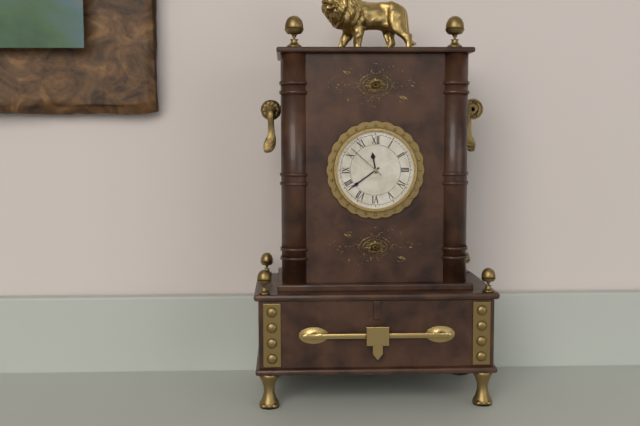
11:39
